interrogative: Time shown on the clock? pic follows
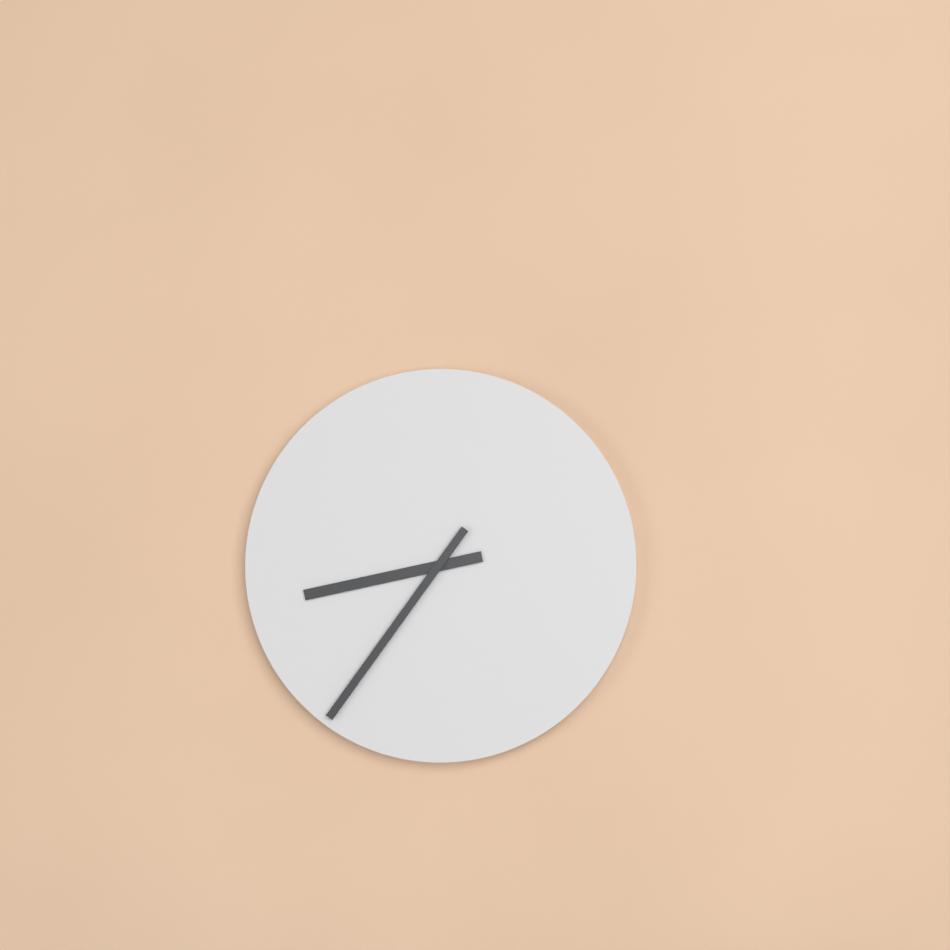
8:36
